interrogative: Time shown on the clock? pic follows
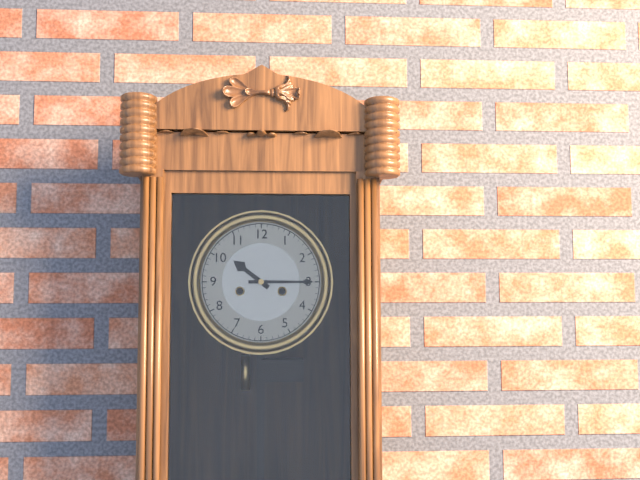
10:15
